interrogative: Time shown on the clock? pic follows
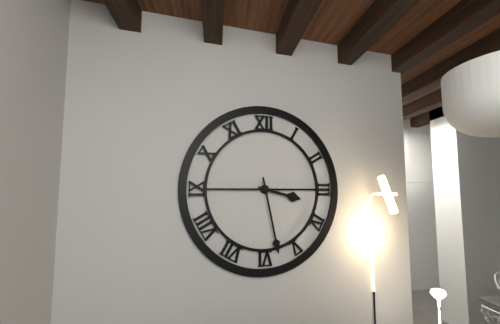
3:28
